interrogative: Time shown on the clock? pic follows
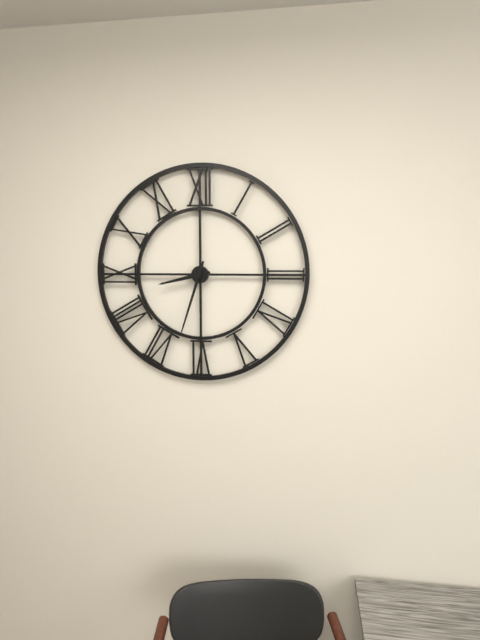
8:33
